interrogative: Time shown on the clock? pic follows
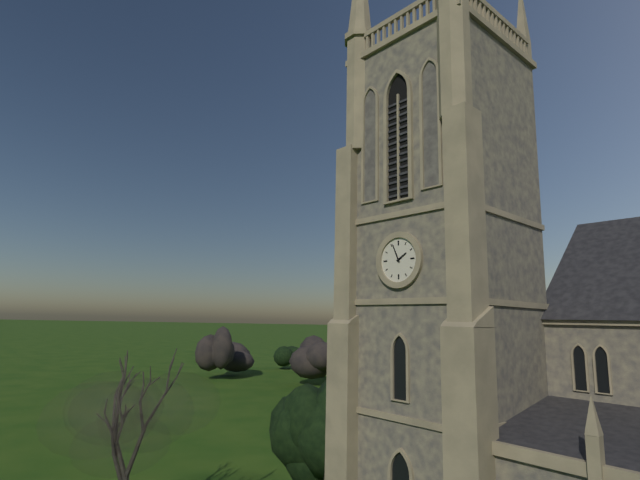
1:56
